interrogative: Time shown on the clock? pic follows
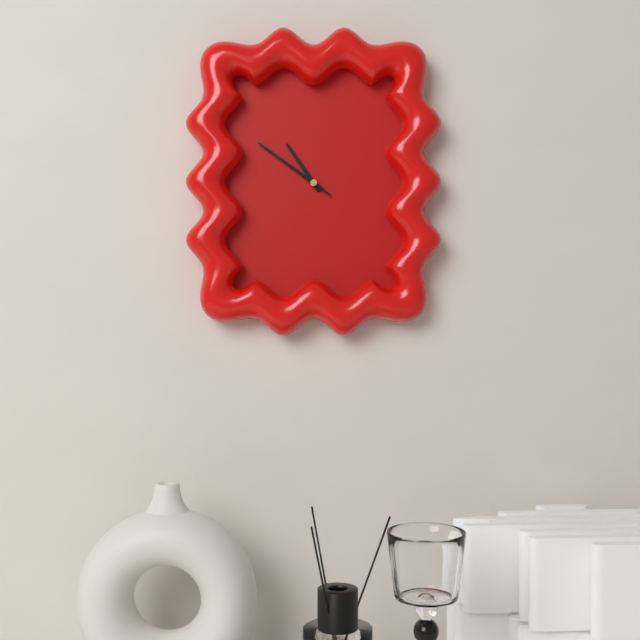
10:51:51
